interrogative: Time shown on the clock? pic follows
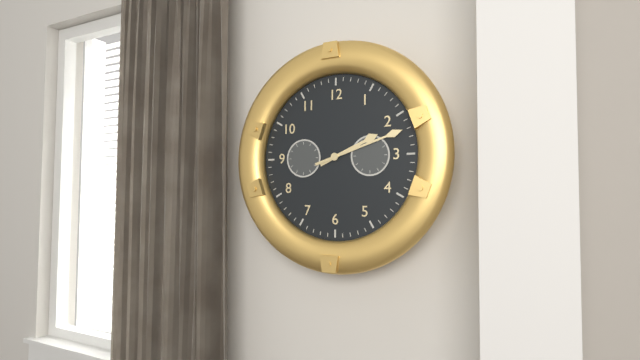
2:12
